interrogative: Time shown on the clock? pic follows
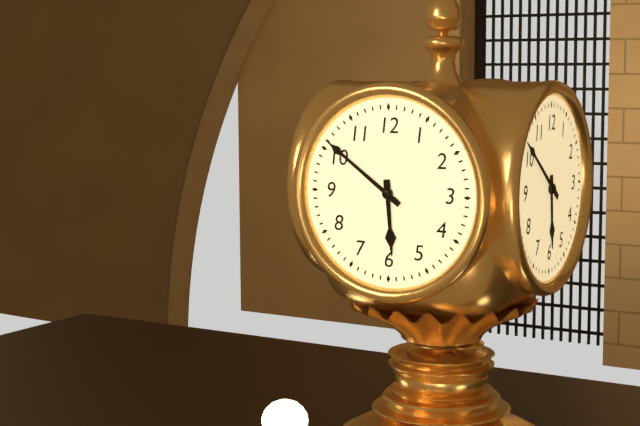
5:51
